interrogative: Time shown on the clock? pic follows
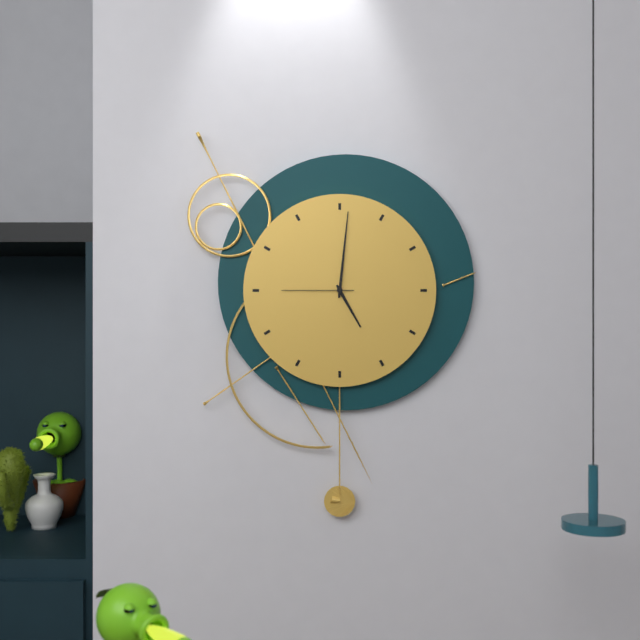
5:01:45
